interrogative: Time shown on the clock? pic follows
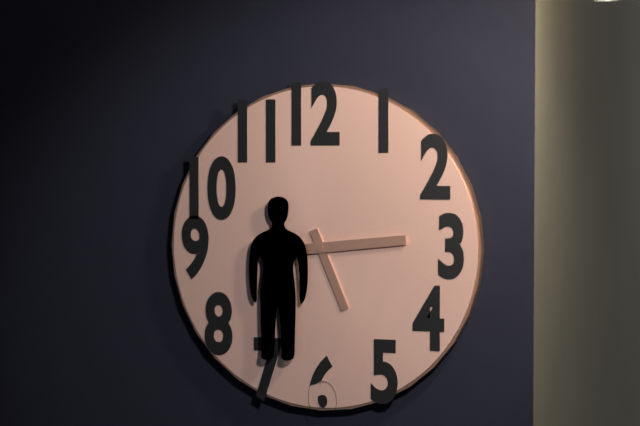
5:14
